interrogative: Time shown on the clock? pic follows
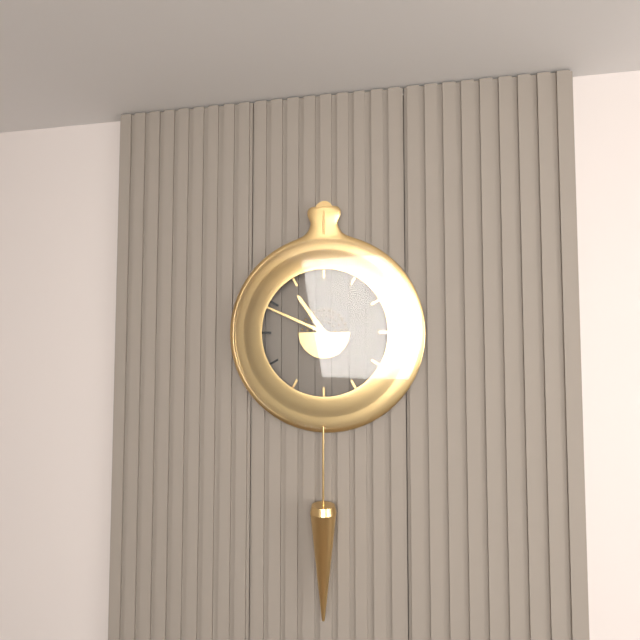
10:49
